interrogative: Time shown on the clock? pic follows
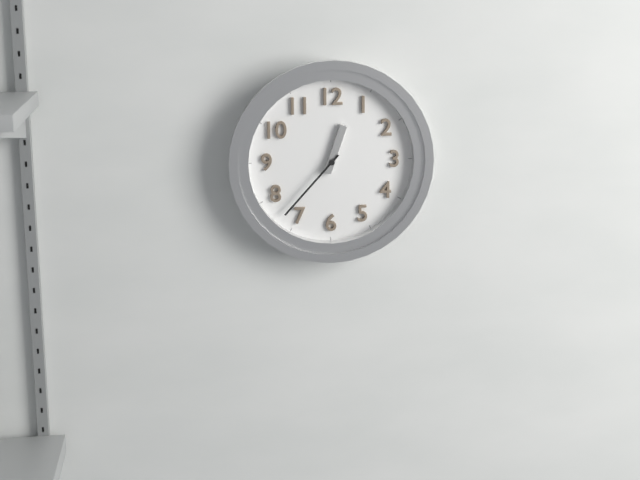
12:37
